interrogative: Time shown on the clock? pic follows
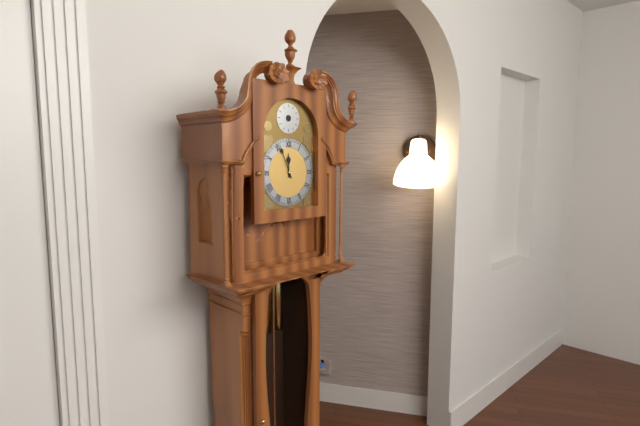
11:56
